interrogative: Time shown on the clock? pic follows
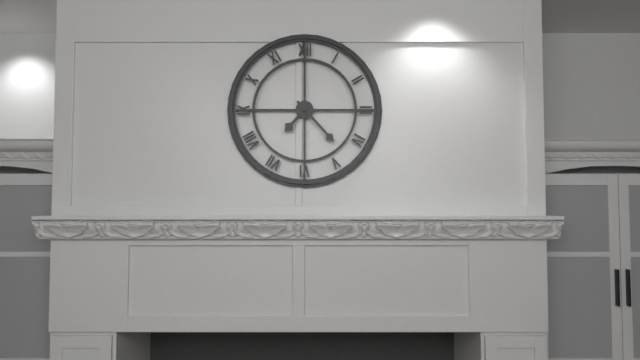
7:23
